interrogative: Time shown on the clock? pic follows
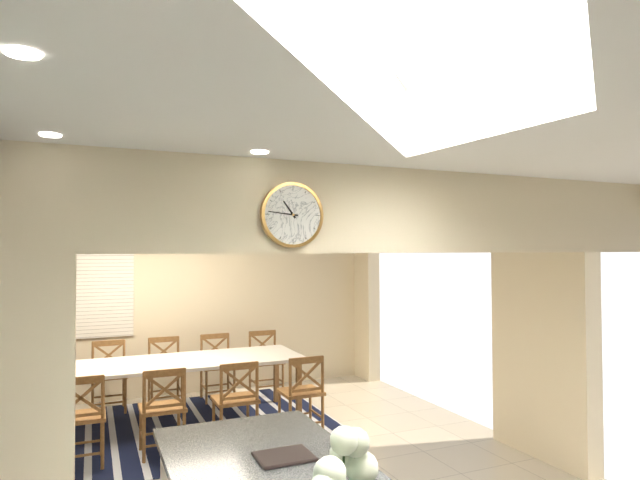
10:46
